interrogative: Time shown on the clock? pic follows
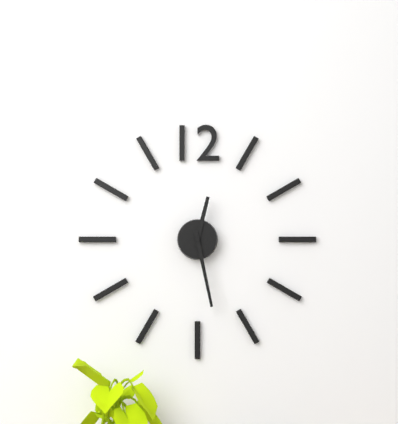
12:28
